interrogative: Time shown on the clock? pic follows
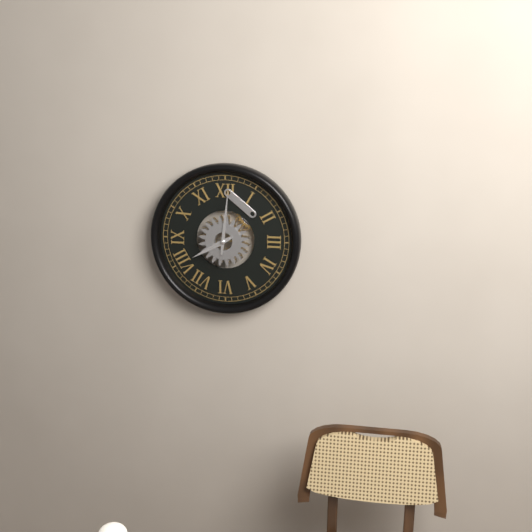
8:01
